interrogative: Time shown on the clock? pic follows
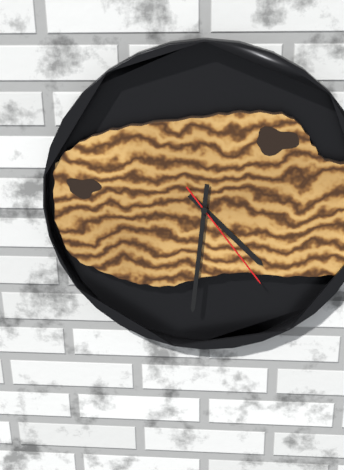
4:31:24
